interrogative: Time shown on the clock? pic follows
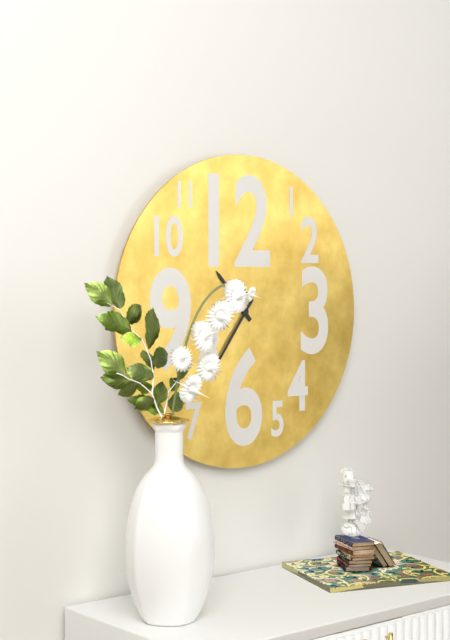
10:36
